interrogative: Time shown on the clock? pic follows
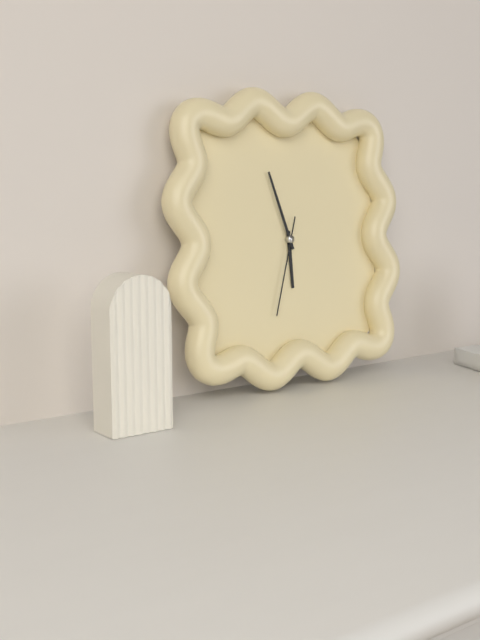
5:57:33
